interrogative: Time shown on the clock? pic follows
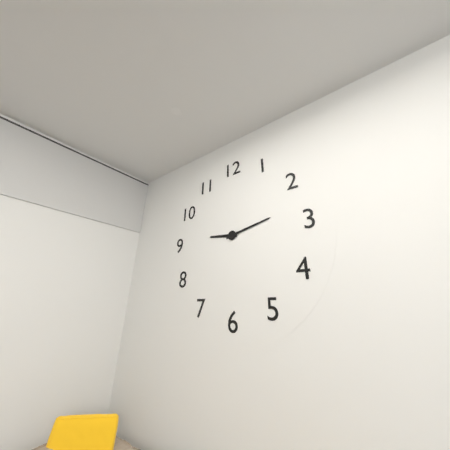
9:13
